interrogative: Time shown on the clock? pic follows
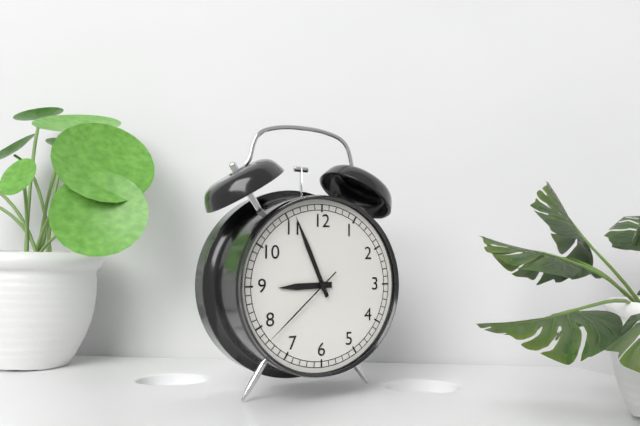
8:56:38
